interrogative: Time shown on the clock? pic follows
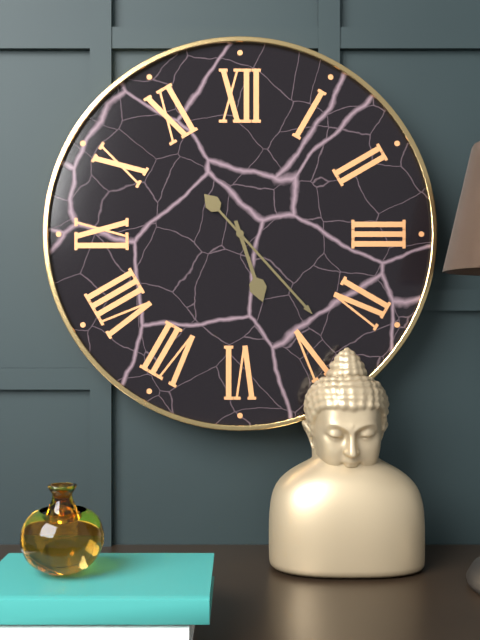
5:23
